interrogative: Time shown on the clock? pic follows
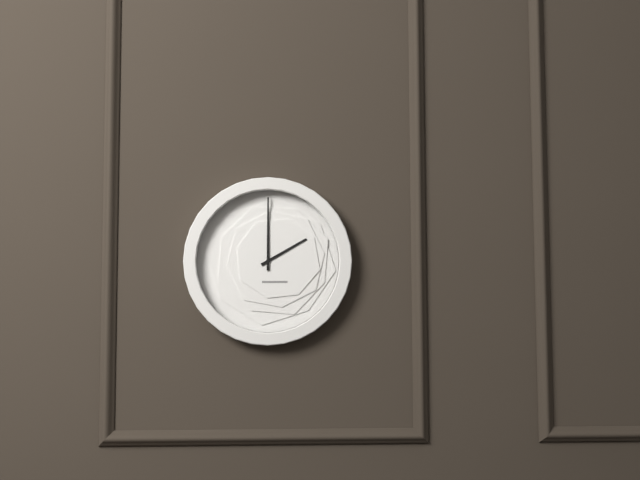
2:00
